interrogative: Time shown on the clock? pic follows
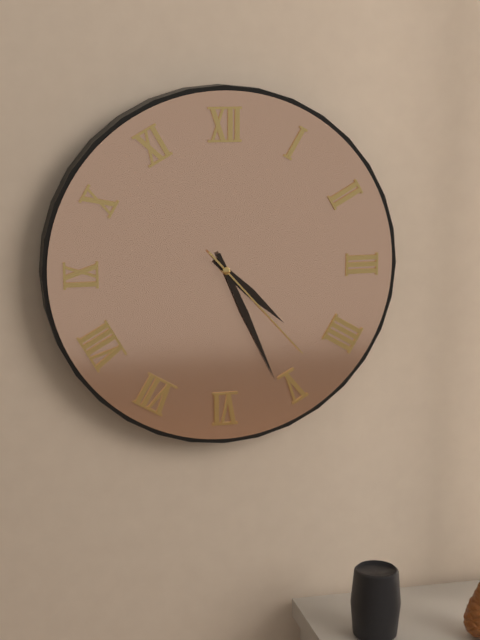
4:26:23
